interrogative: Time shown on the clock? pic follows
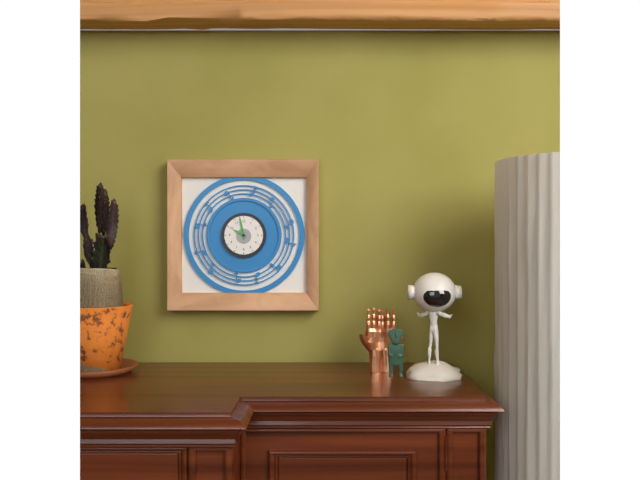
9:58
